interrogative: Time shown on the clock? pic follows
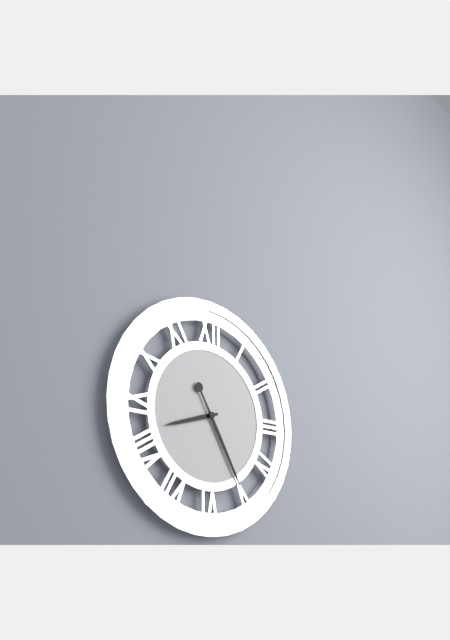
8:25
